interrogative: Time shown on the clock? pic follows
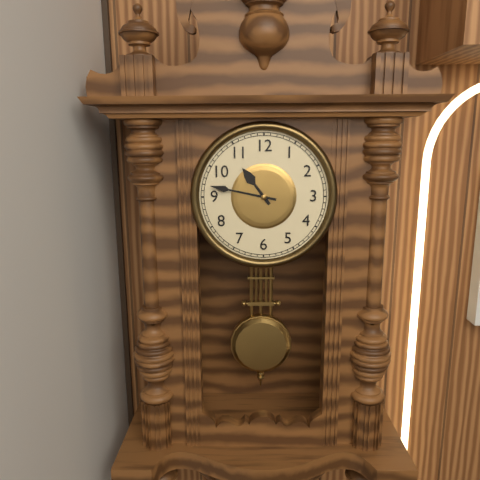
10:47
